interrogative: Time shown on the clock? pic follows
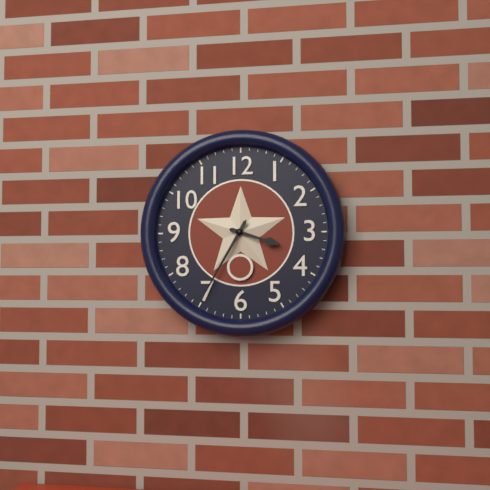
3:35
